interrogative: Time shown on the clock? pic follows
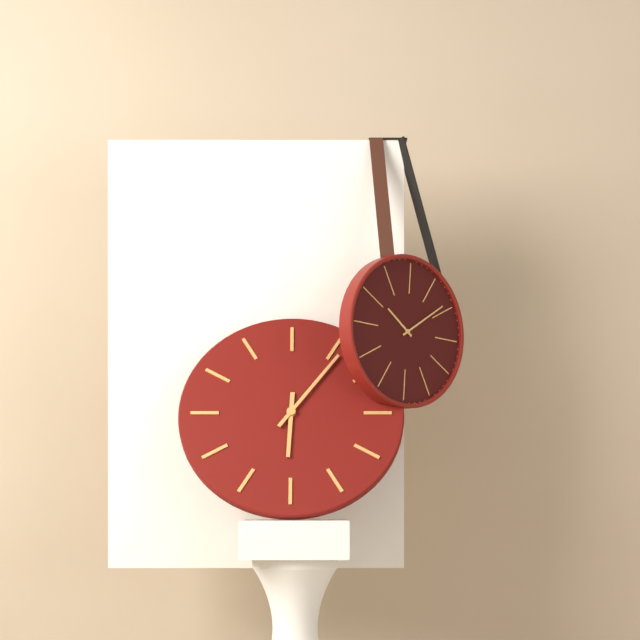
6:06
